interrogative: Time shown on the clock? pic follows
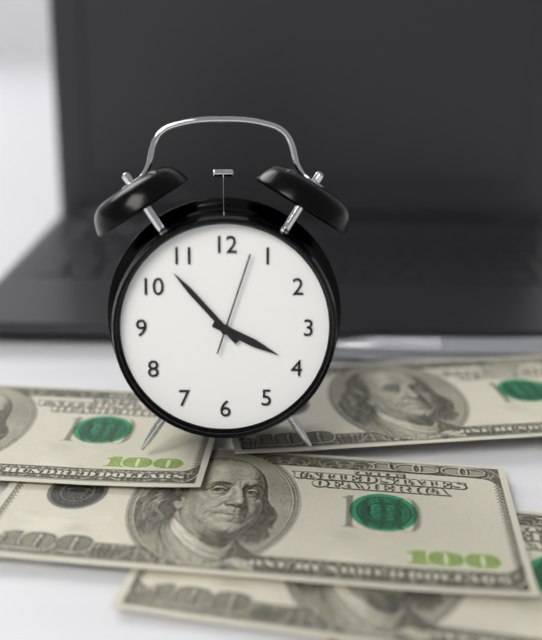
3:53:03
